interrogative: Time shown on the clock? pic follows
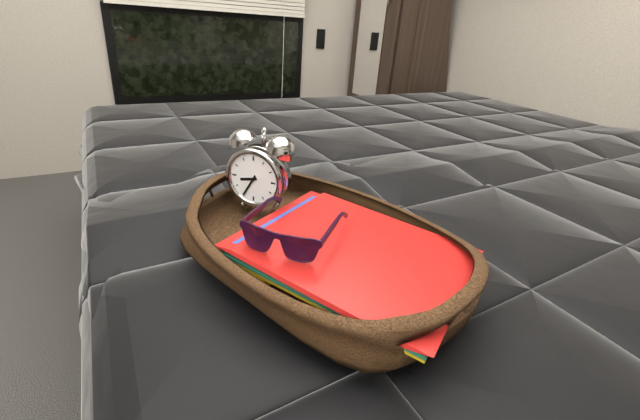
8:35
